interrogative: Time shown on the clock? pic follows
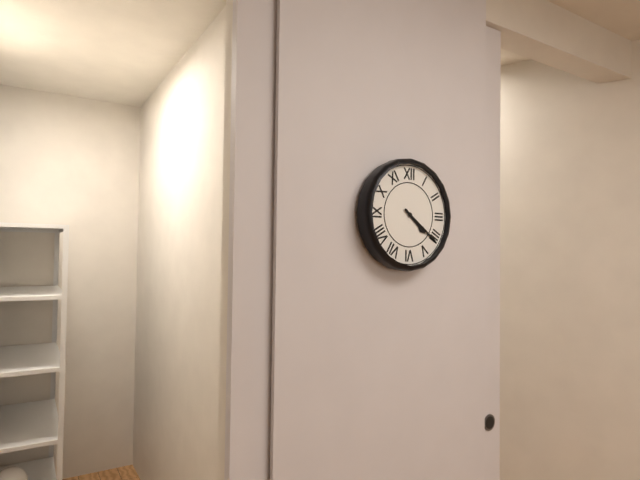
4:21
